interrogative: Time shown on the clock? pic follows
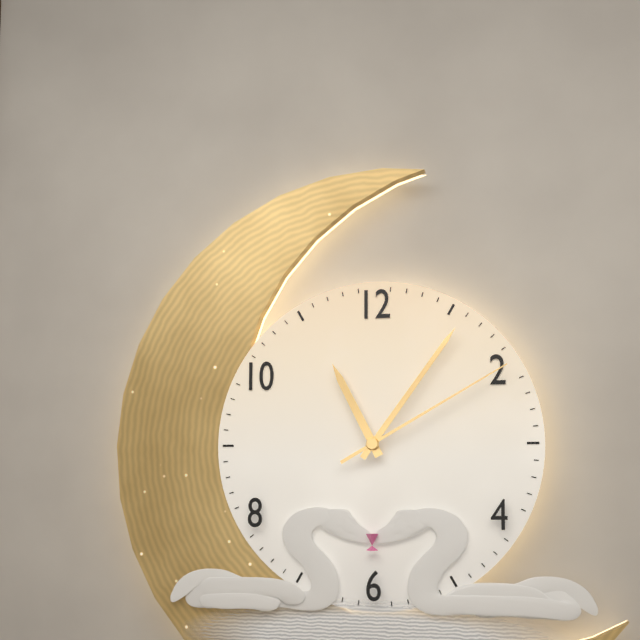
11:06:10
